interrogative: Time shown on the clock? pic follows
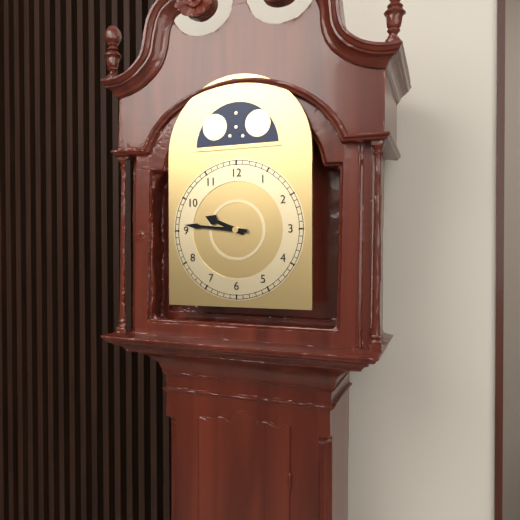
9:46
